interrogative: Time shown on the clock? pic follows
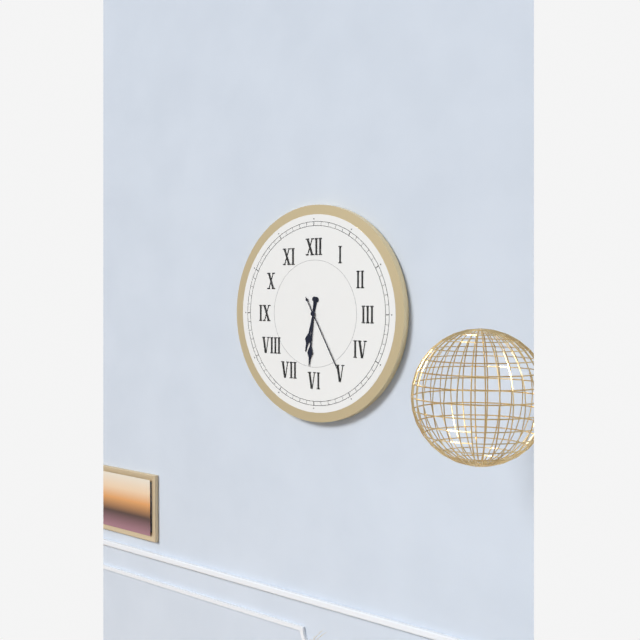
6:31:25
